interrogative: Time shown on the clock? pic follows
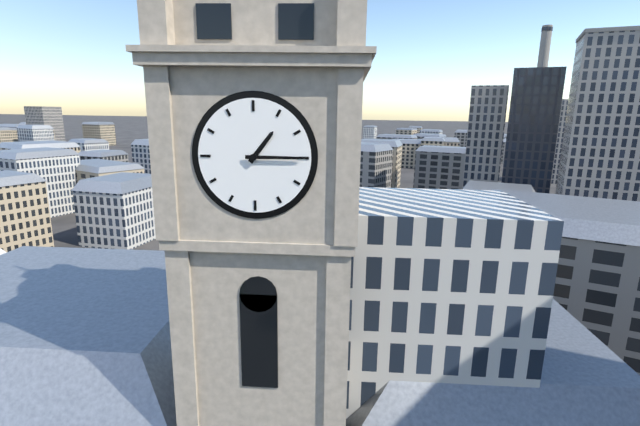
1:15
